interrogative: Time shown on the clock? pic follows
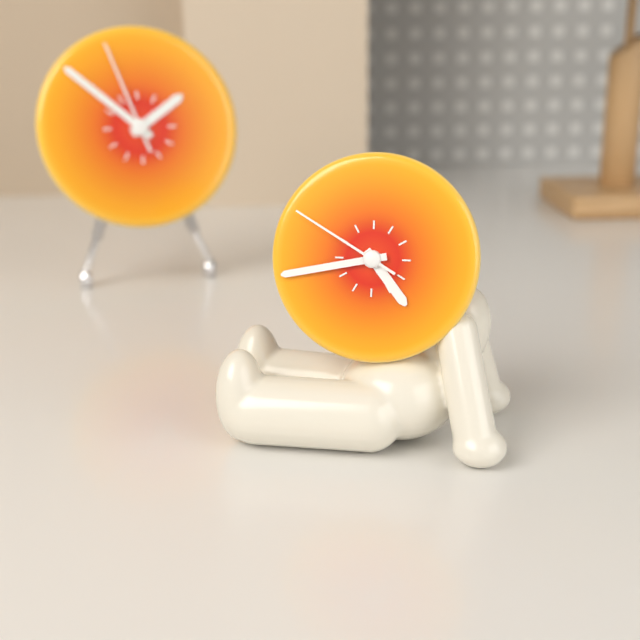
4:43:50
